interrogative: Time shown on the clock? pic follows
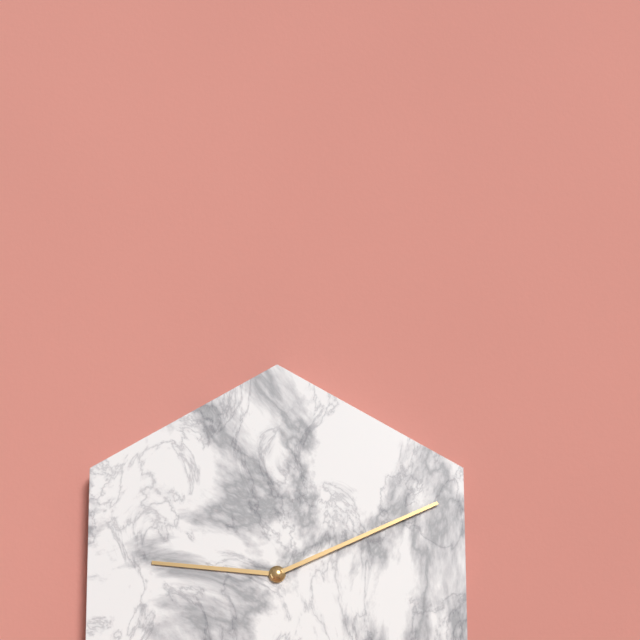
9:11
